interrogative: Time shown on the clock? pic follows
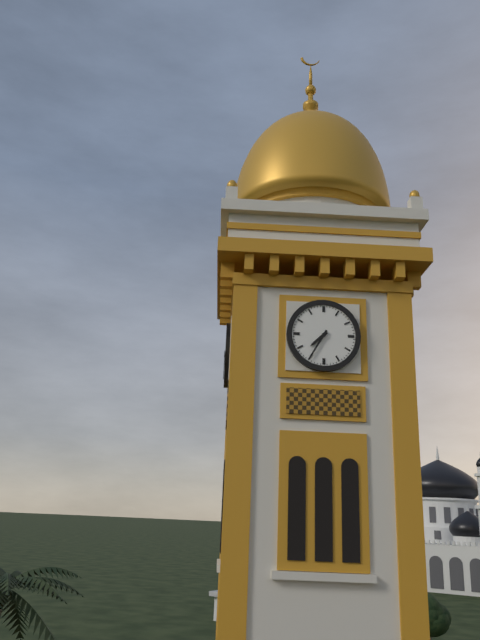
7:35
